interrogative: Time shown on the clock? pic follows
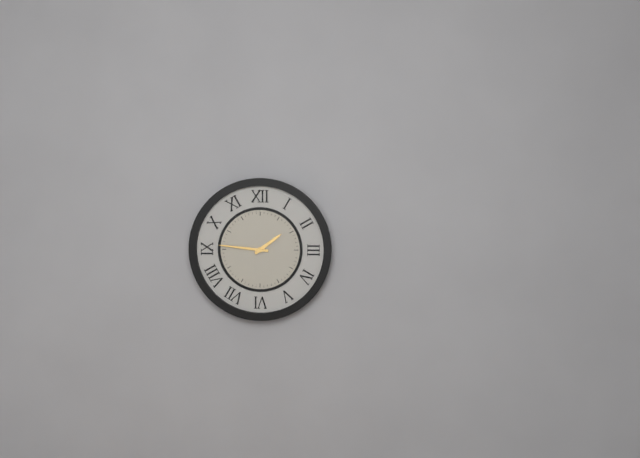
1:46
